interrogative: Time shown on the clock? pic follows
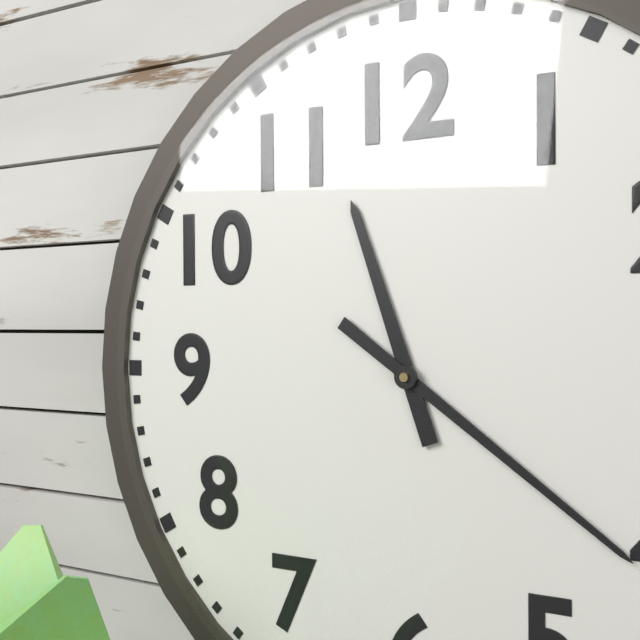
11:21
